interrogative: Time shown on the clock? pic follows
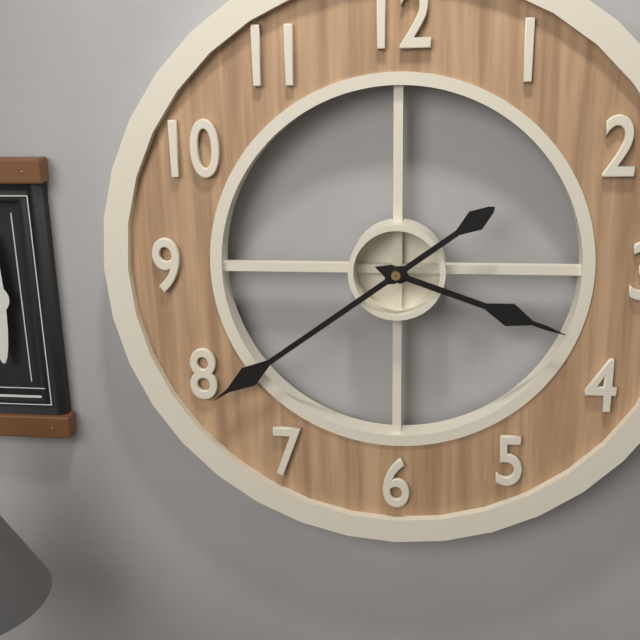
3:39
